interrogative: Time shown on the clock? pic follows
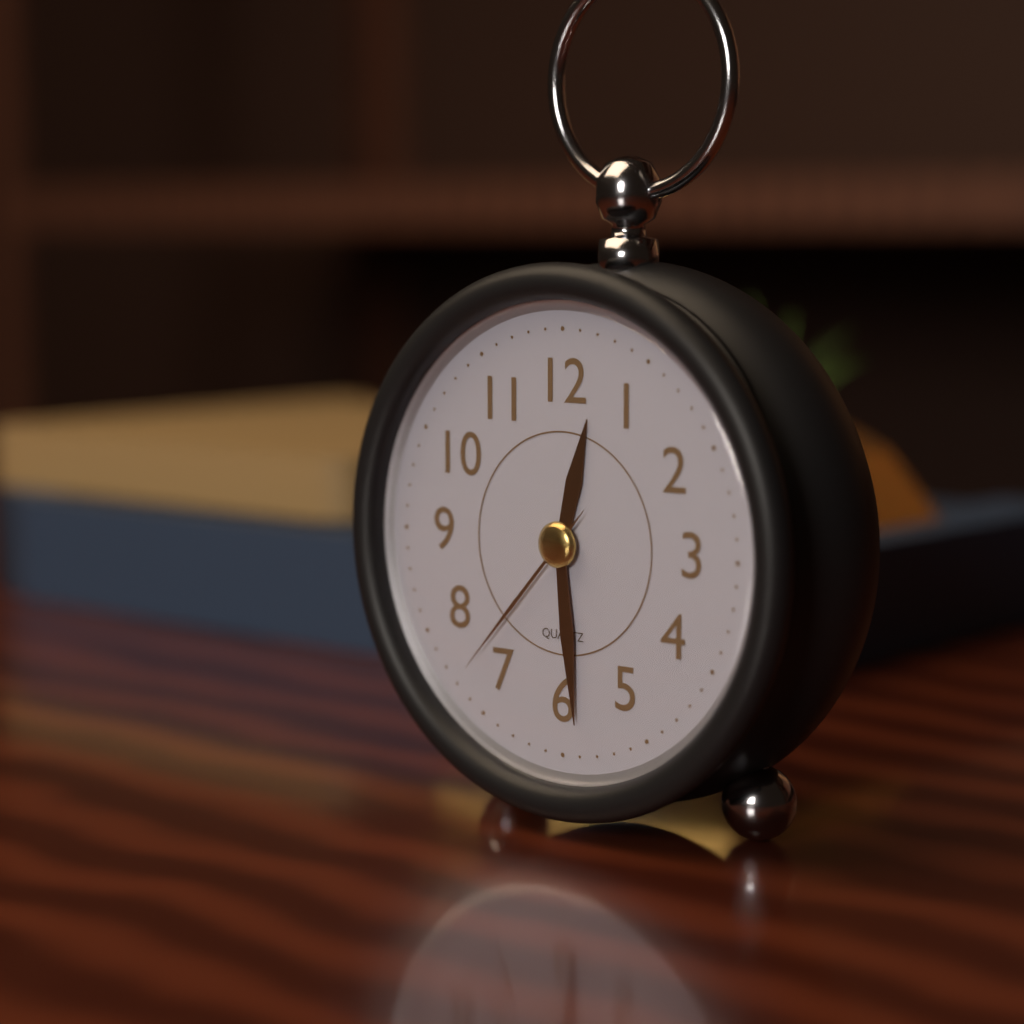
12:29:37
